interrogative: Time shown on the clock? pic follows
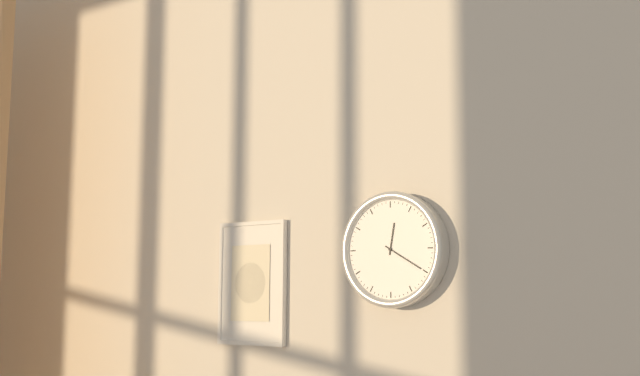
12:20
